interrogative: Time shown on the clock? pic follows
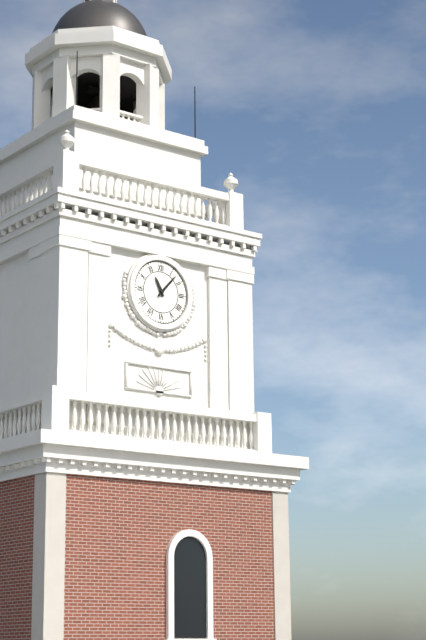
11:07
